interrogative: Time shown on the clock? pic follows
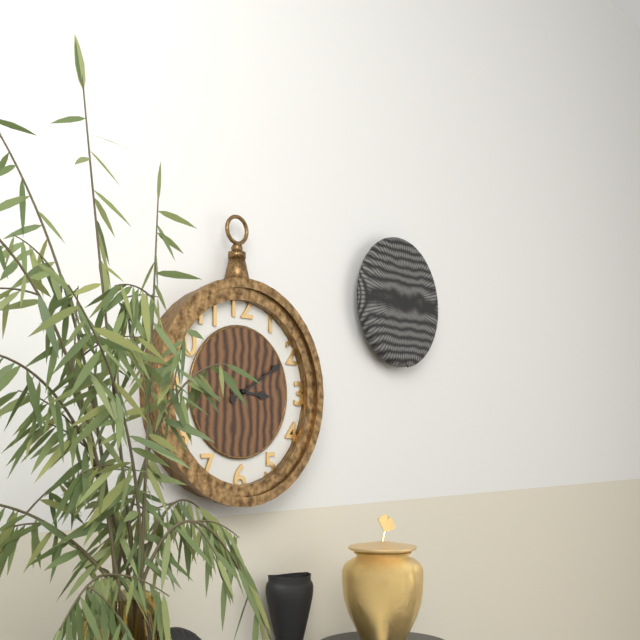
3:10
